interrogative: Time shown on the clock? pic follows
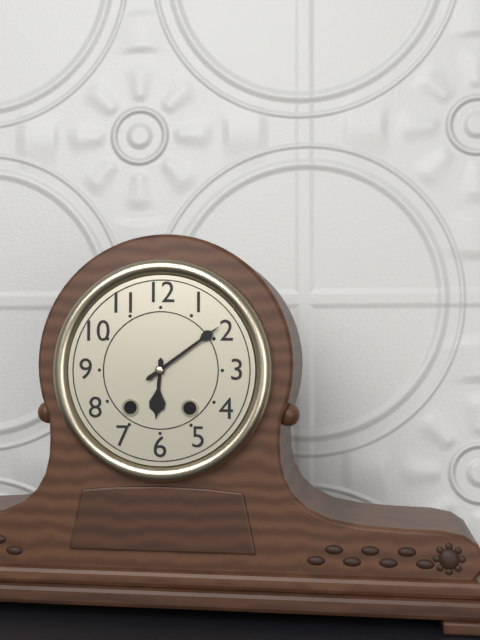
6:09
